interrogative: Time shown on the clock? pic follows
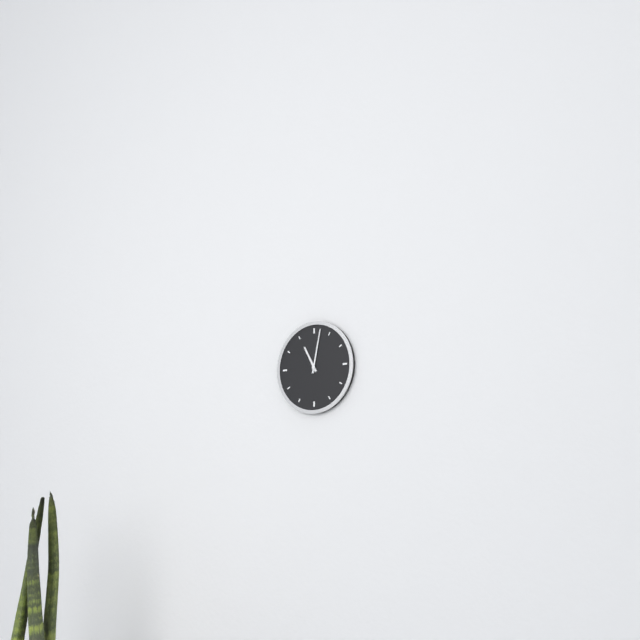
11:02
